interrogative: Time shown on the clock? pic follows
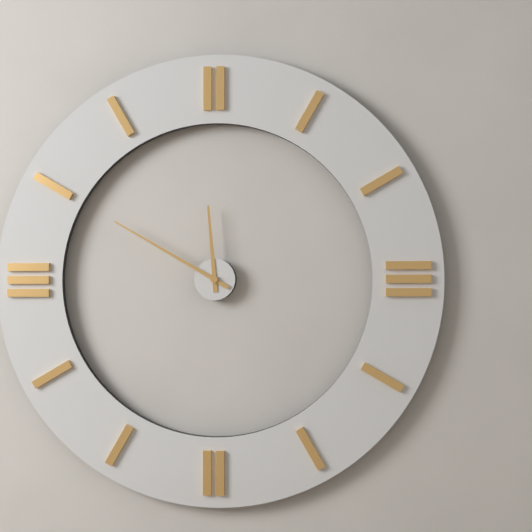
11:50
